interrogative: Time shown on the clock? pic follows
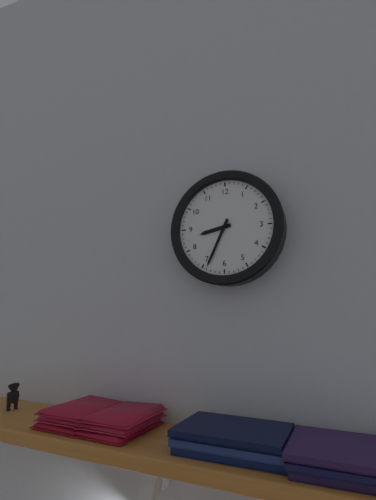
8:34
